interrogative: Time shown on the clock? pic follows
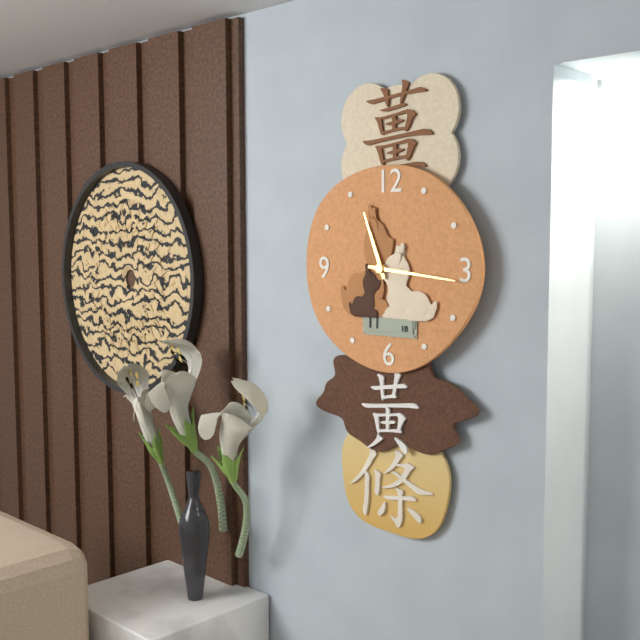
11:16
